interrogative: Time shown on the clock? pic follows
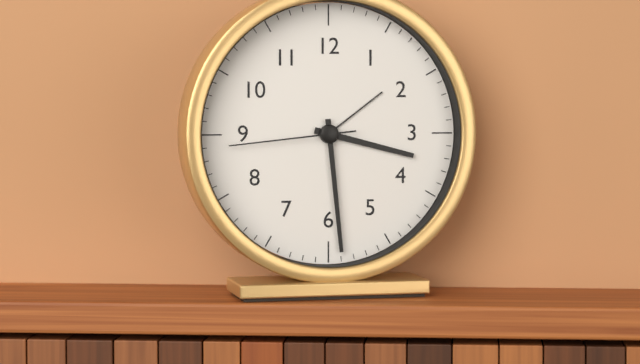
3:29:44
